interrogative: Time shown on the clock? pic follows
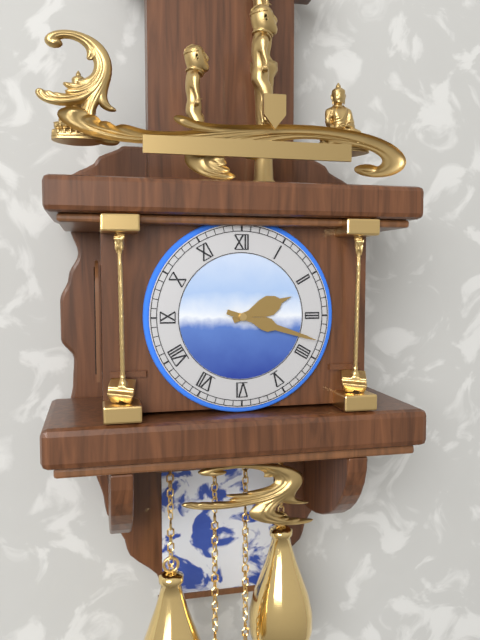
2:18
